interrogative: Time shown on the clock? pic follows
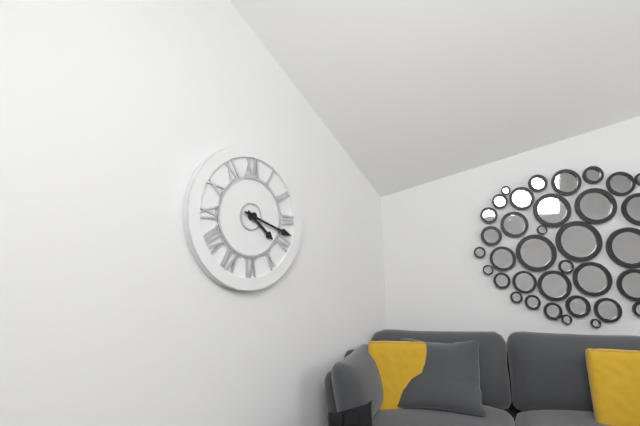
4:18
